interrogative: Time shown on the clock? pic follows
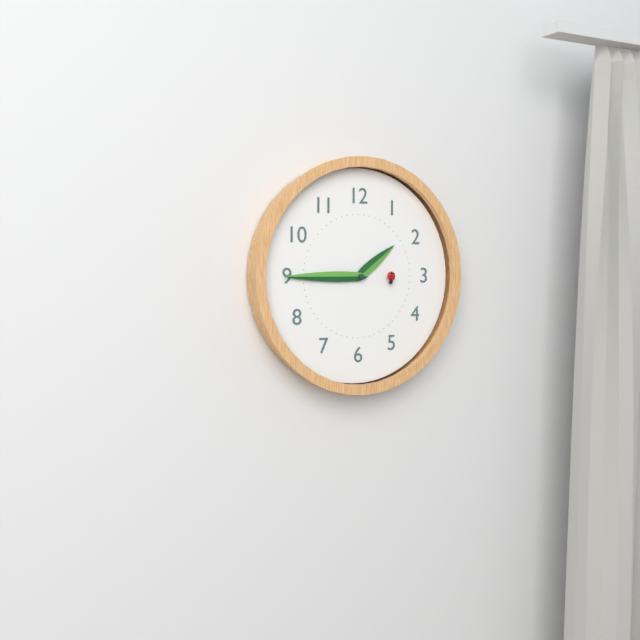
1:45
